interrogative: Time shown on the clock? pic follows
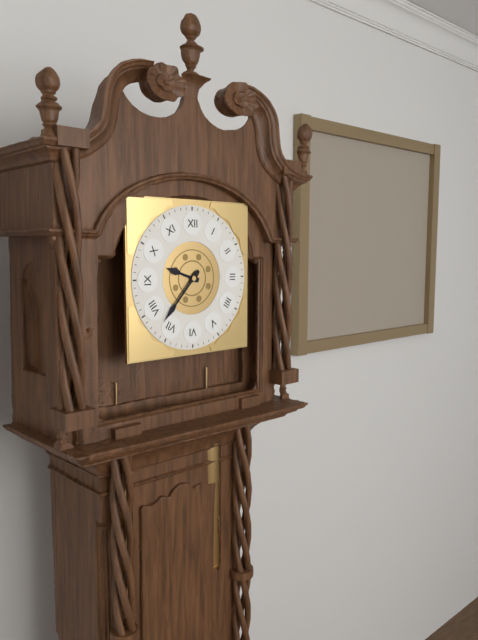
9:37
